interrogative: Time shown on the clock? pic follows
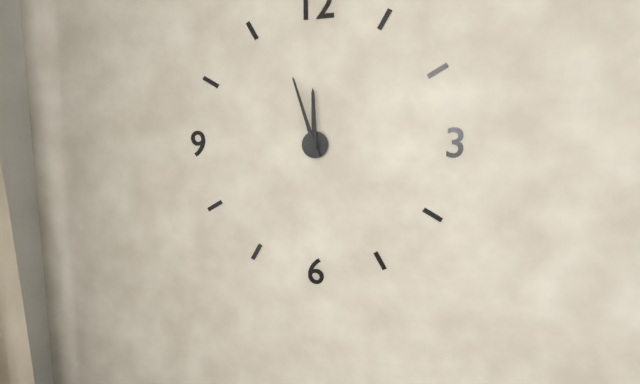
11:57
